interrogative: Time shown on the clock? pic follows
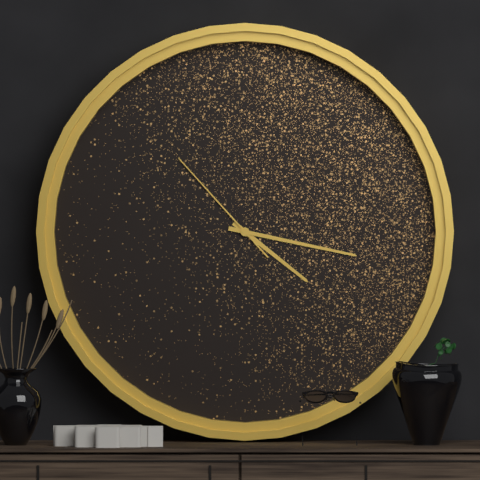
4:17:53
